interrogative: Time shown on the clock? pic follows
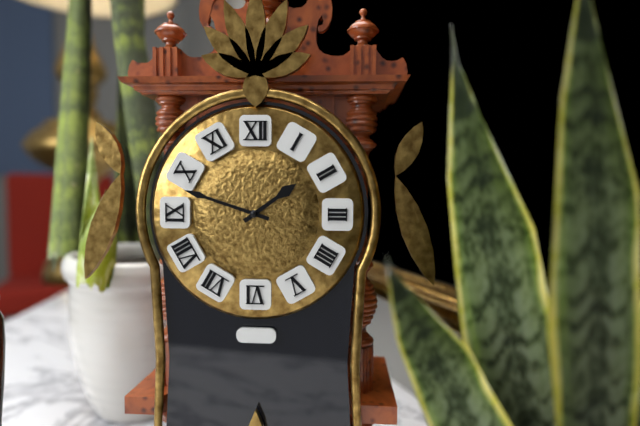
1:48
